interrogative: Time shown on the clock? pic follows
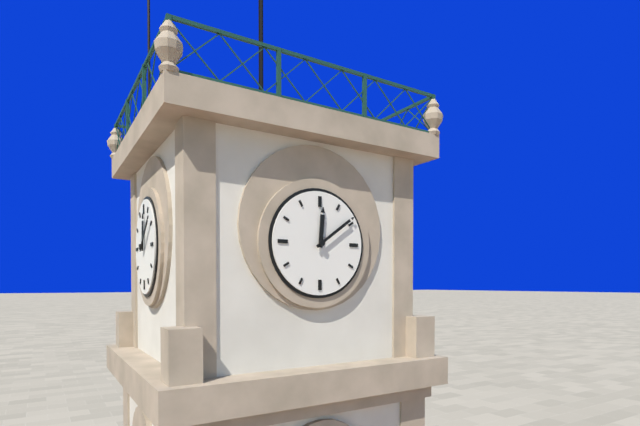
12:09
